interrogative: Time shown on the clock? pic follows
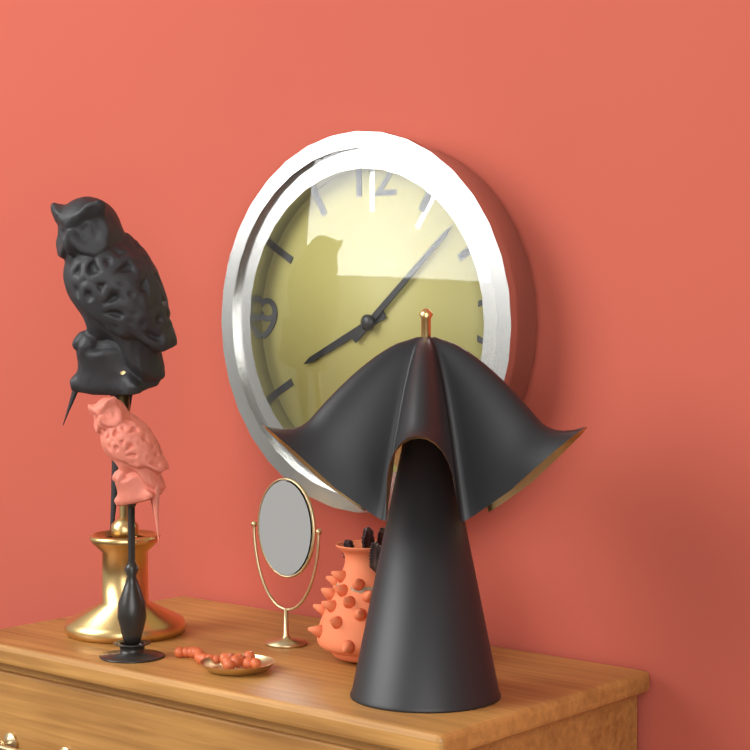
8:08
